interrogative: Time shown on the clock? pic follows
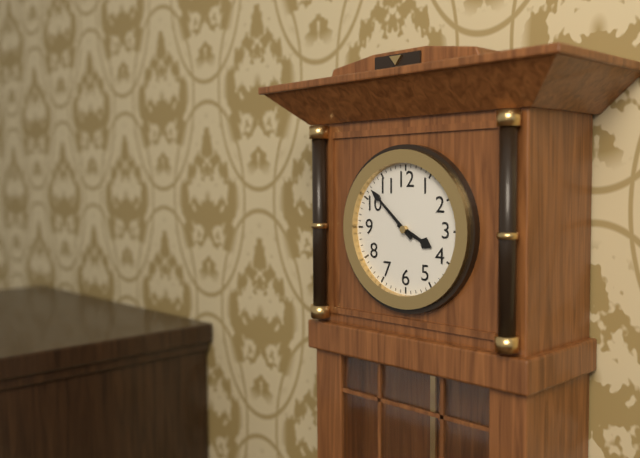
3:52
